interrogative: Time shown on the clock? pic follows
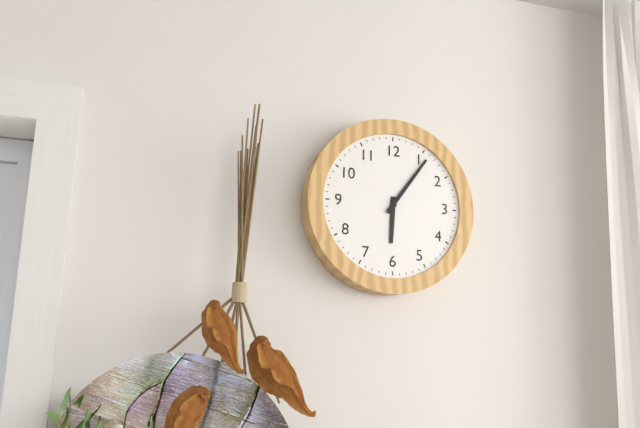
6:06
